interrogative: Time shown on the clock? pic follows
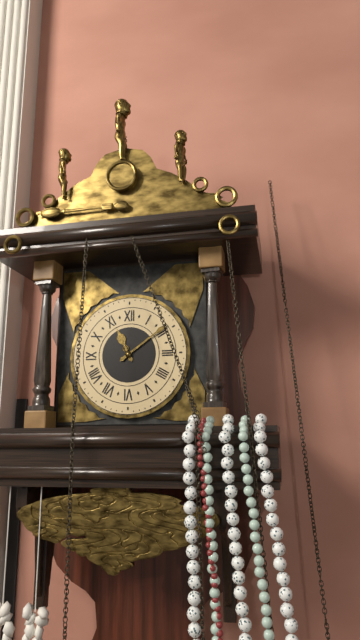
11:09
